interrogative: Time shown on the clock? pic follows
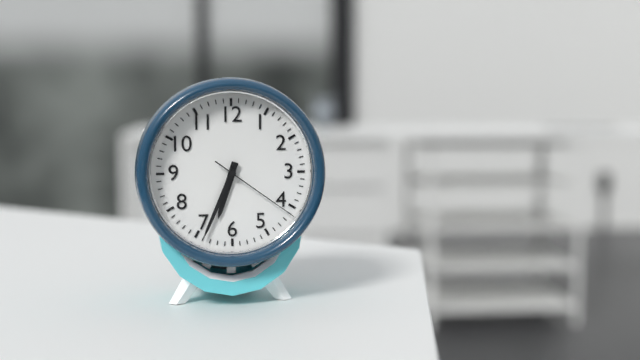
6:34:21
